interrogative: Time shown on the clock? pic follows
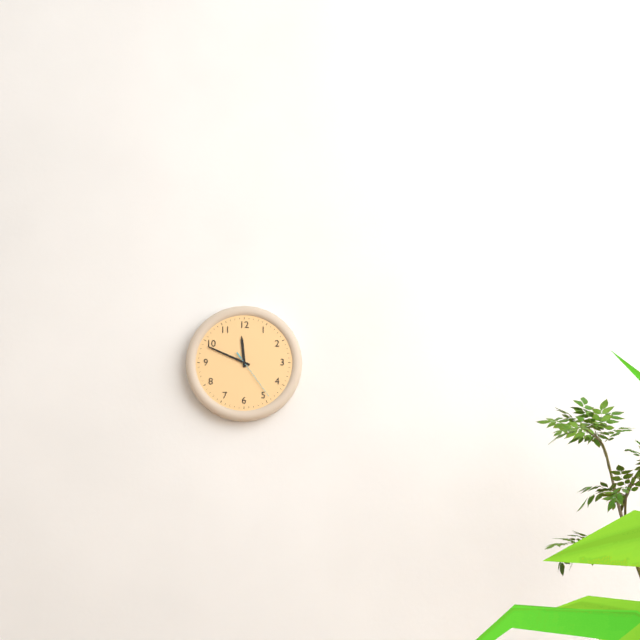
11:49:24
